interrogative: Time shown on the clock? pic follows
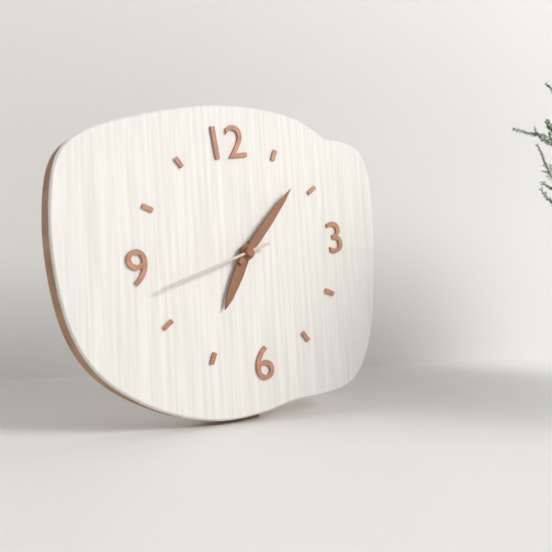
7:08:43
